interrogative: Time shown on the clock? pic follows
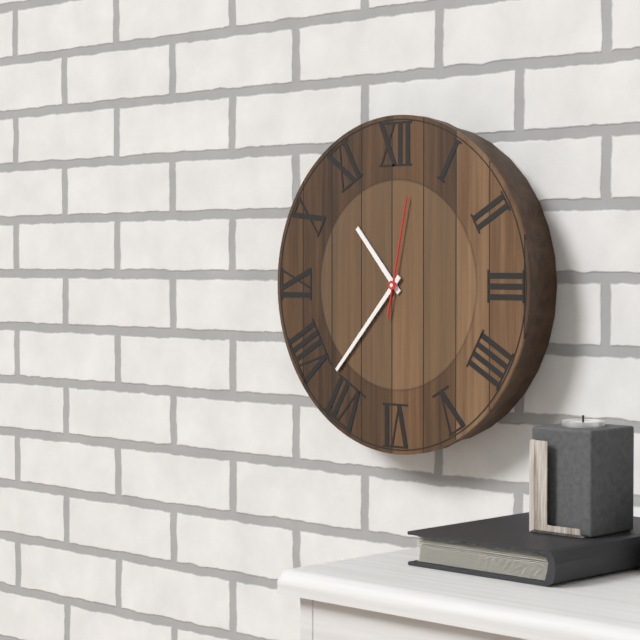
10:37:02
